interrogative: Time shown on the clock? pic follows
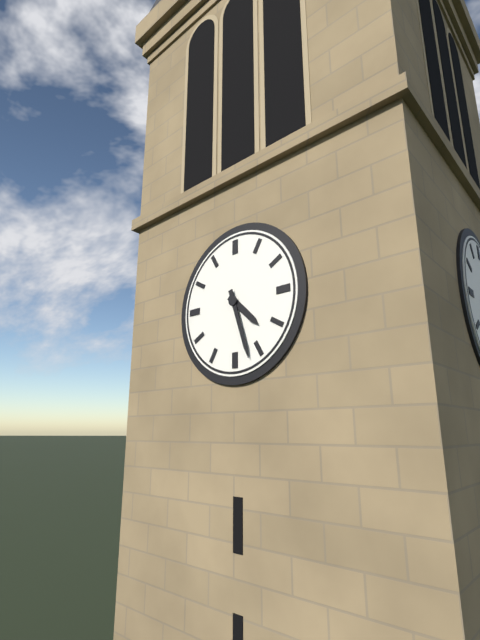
4:27
